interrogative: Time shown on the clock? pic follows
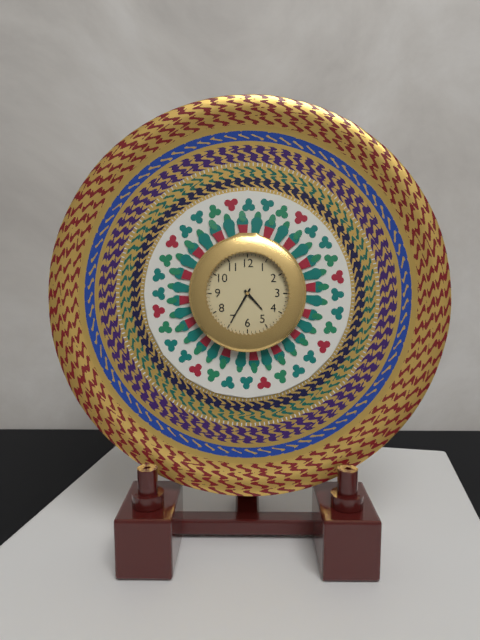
4:35
